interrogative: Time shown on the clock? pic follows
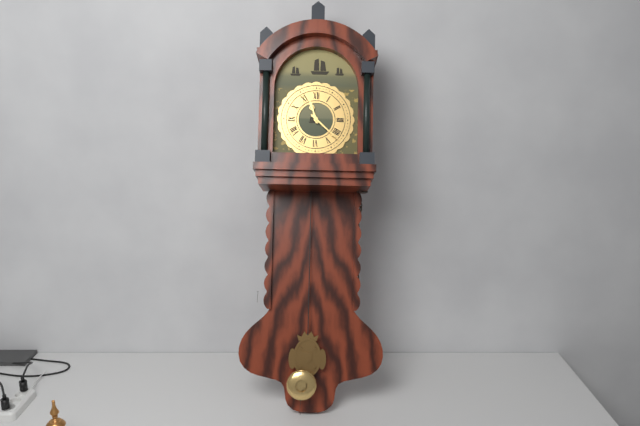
11:22
